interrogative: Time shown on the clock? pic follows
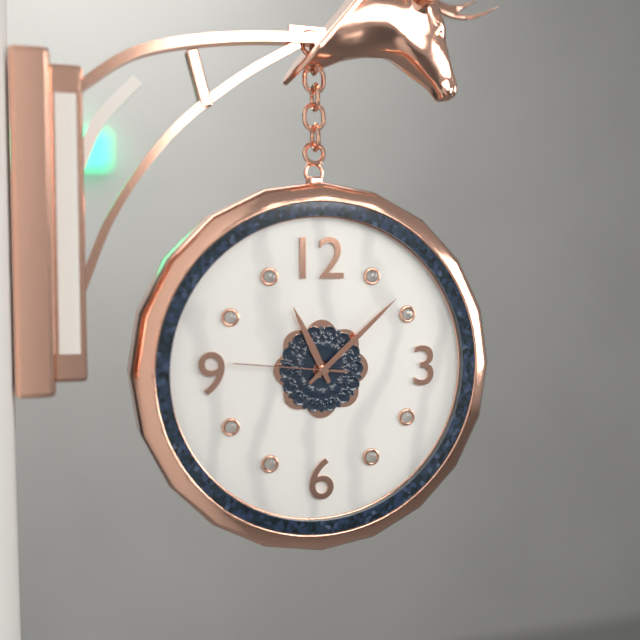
11:08:46
